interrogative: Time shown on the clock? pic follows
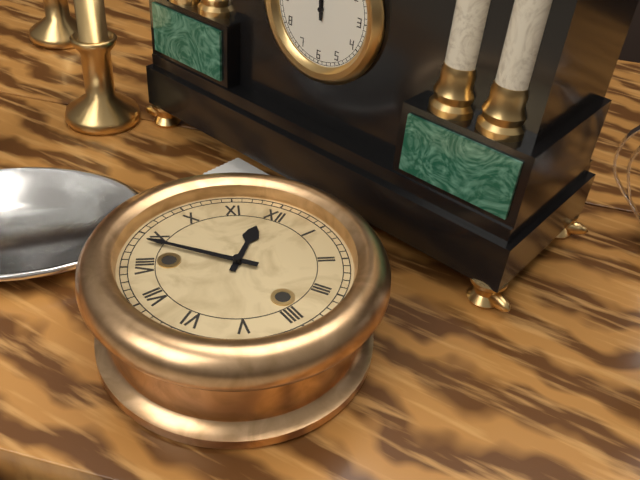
11:44
